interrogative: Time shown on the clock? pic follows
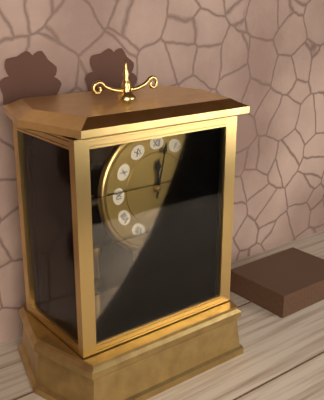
12:02
